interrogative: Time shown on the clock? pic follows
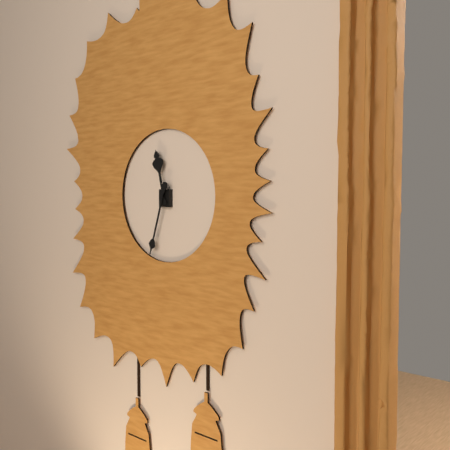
11:33
